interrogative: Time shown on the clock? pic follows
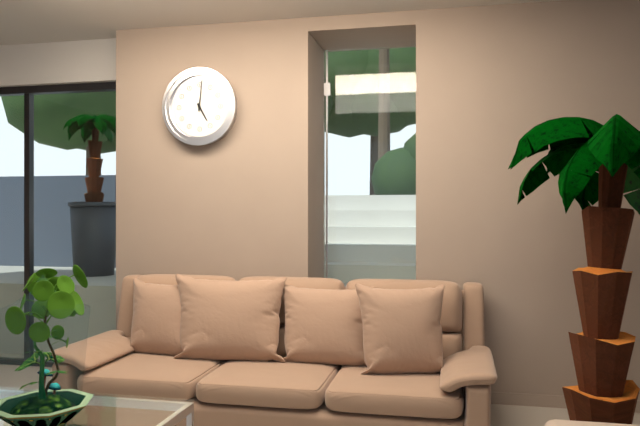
5:01
